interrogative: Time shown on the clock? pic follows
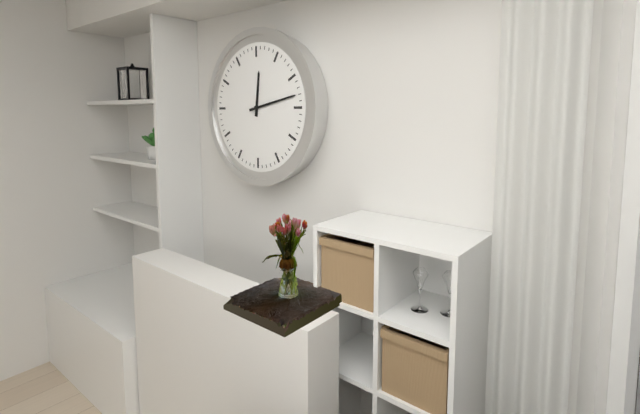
12:13
